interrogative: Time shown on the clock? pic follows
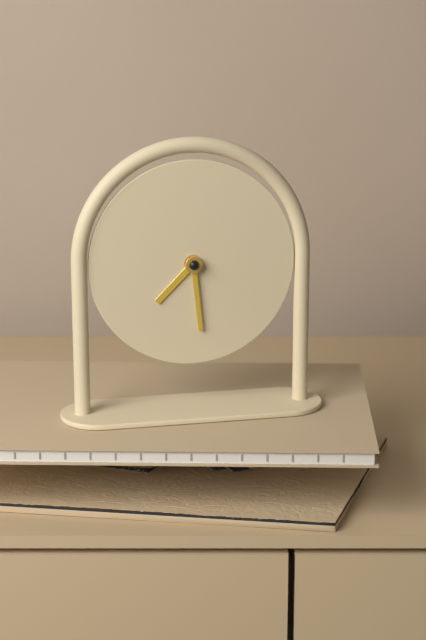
7:29
